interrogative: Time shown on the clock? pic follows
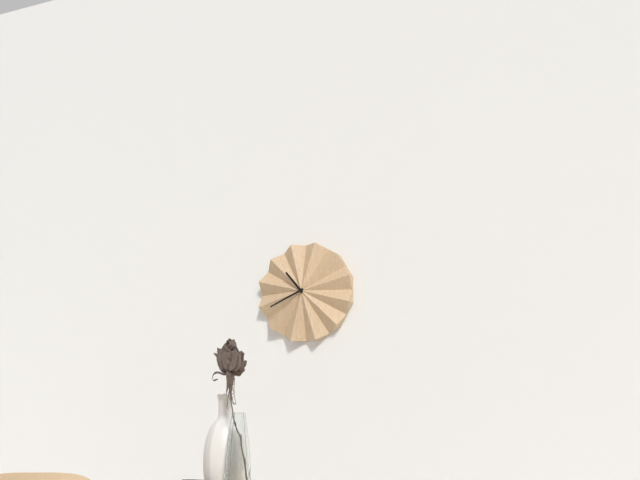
10:41
